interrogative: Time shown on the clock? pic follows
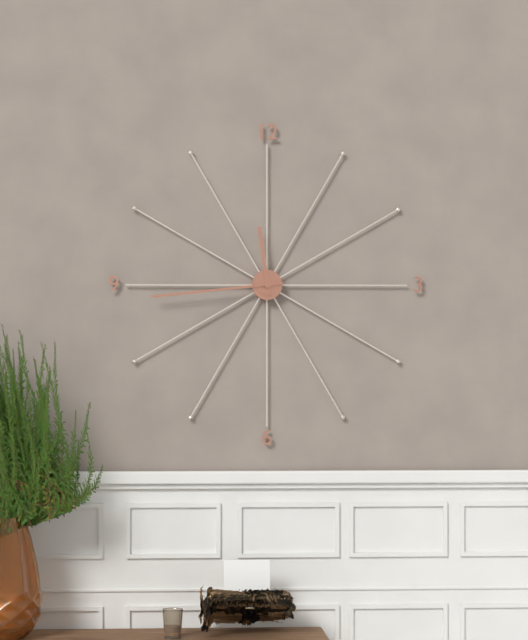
11:44
